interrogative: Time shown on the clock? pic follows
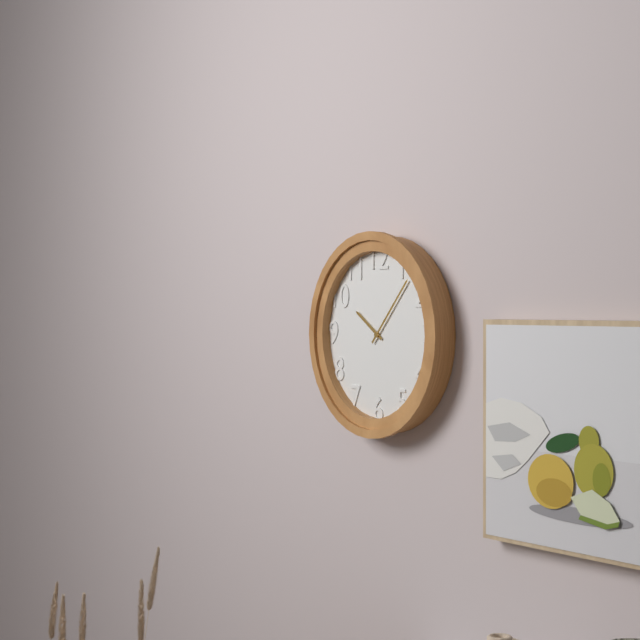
10:07
